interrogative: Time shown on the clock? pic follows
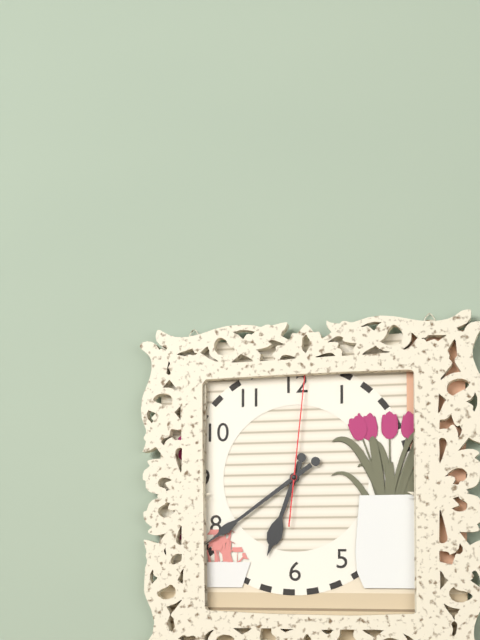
6:39:01
